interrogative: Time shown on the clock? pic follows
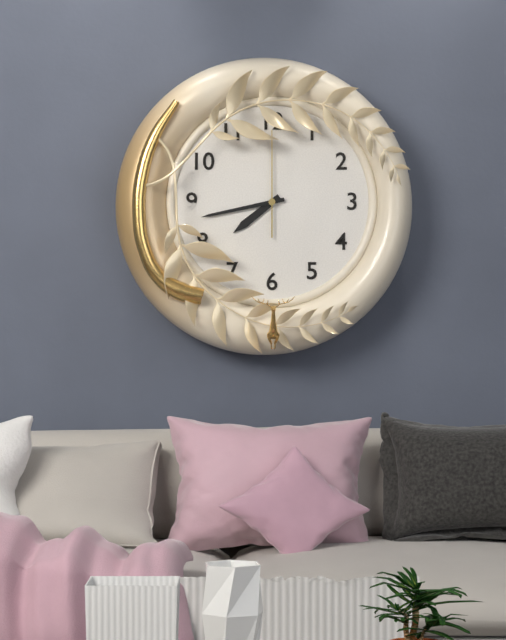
7:43:00
